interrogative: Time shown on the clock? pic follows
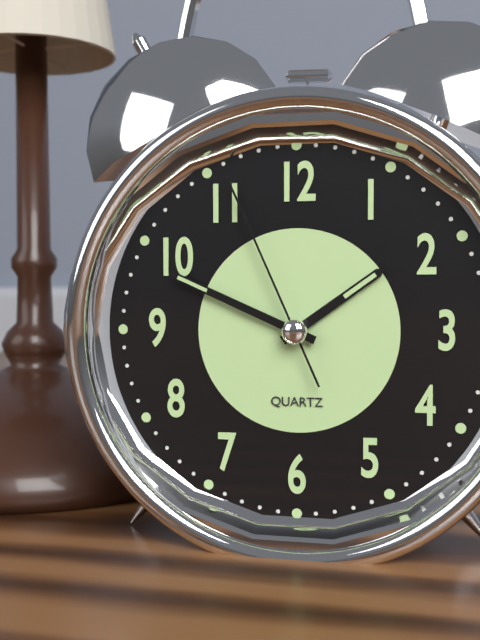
1:49:56
